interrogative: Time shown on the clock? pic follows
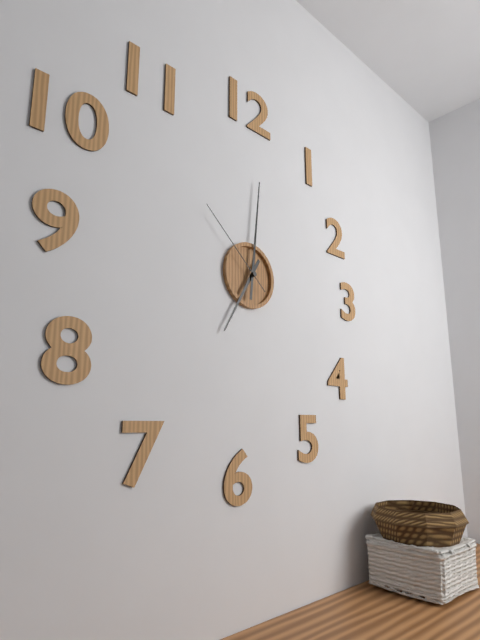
7:01:52
